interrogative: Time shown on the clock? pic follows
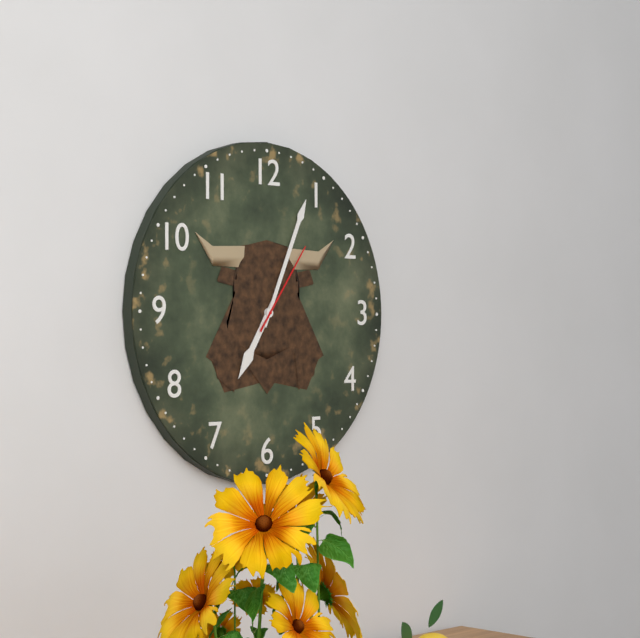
7:04:06
